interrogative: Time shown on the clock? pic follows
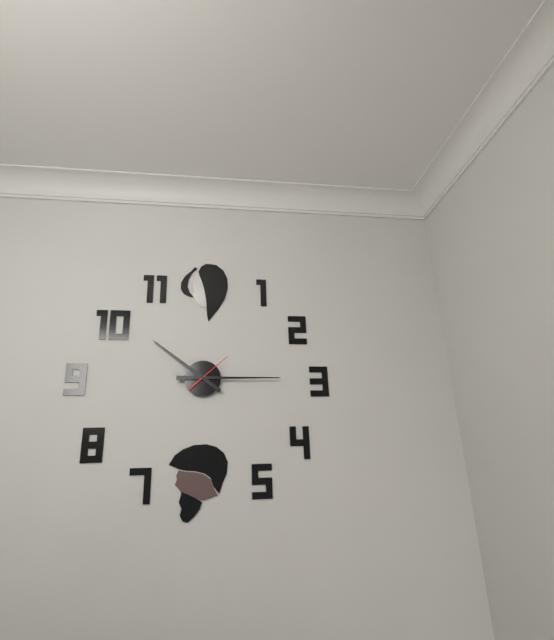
10:15
